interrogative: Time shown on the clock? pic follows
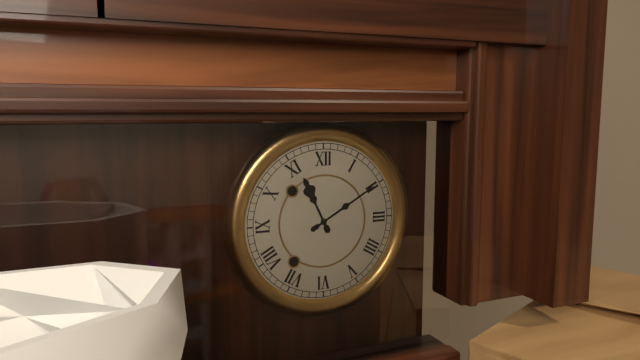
11:10
